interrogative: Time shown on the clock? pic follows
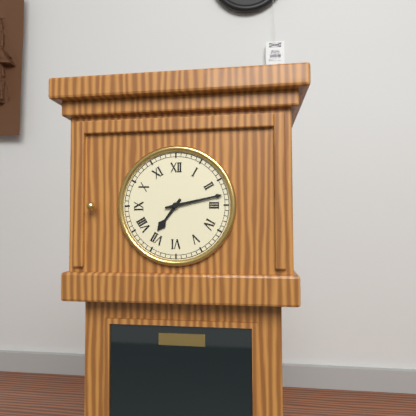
7:13
